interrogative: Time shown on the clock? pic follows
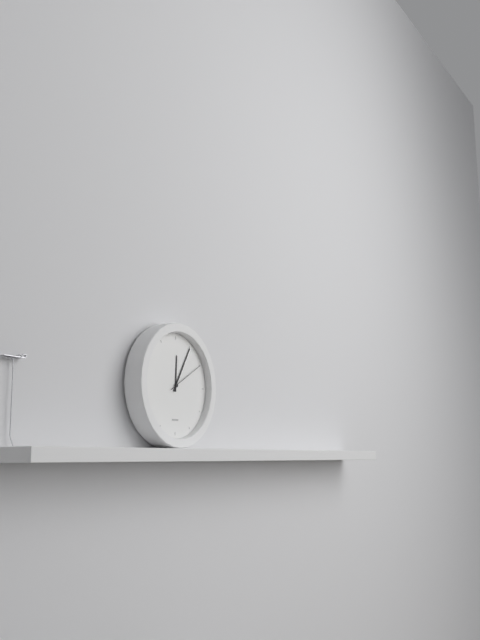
12:05
